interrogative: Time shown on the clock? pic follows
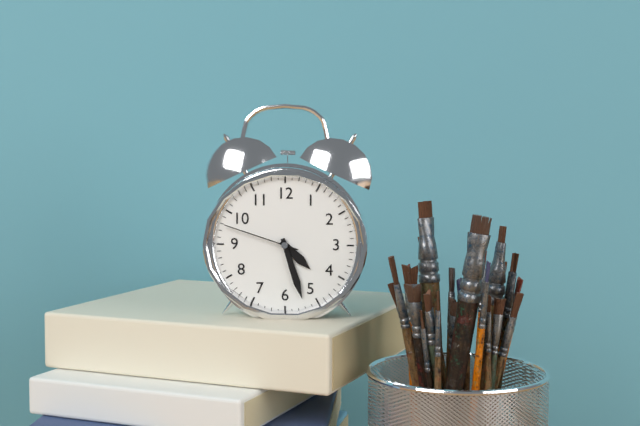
4:27:48
